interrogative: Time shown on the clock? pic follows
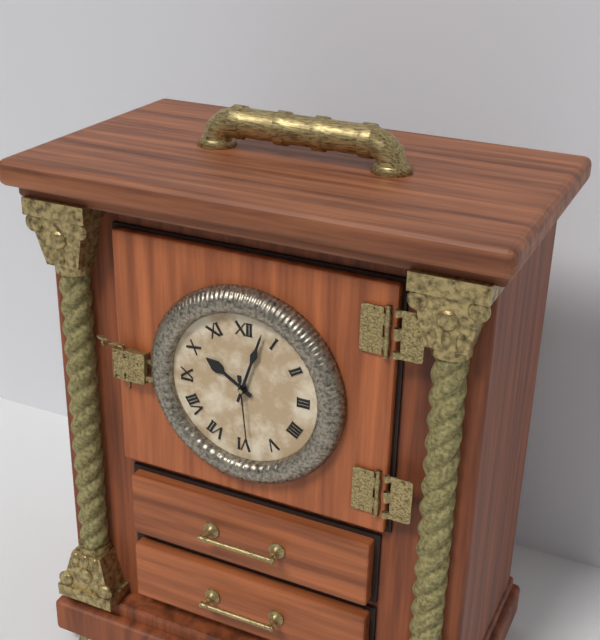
10:03:29
